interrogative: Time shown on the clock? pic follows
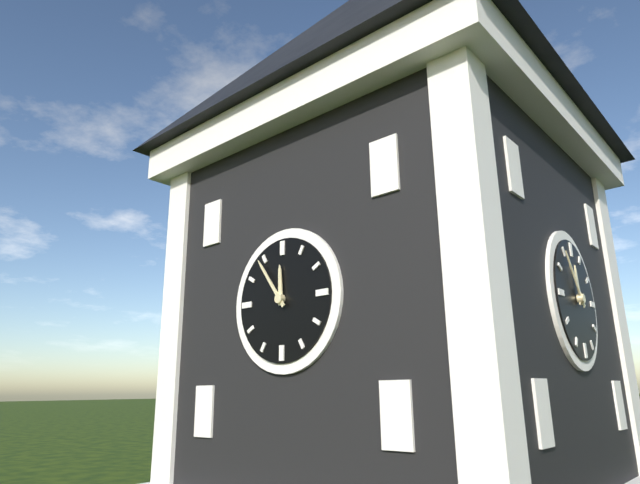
11:54
